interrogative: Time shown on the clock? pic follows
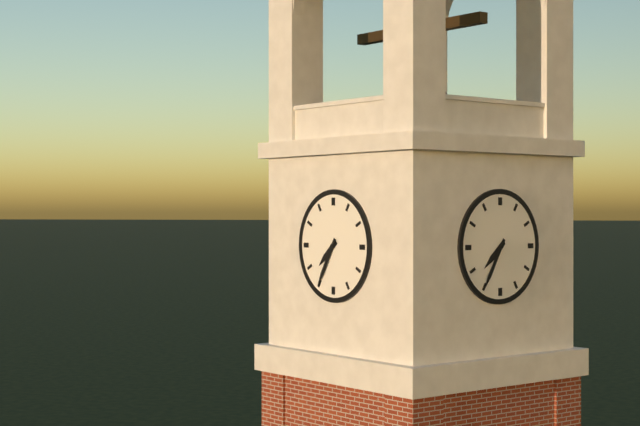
7:35
